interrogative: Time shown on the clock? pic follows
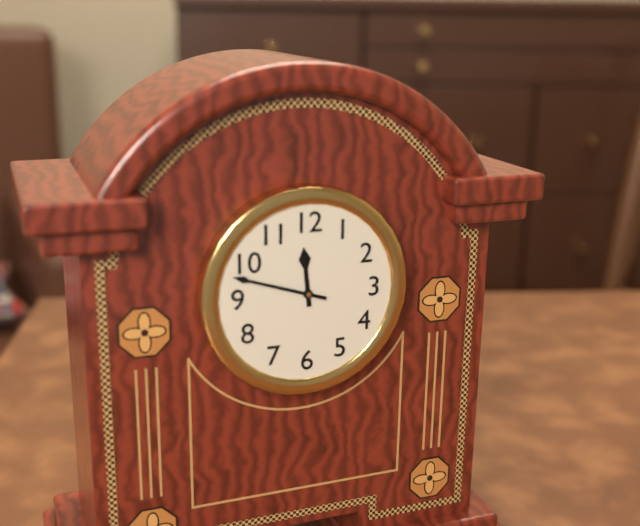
11:48
